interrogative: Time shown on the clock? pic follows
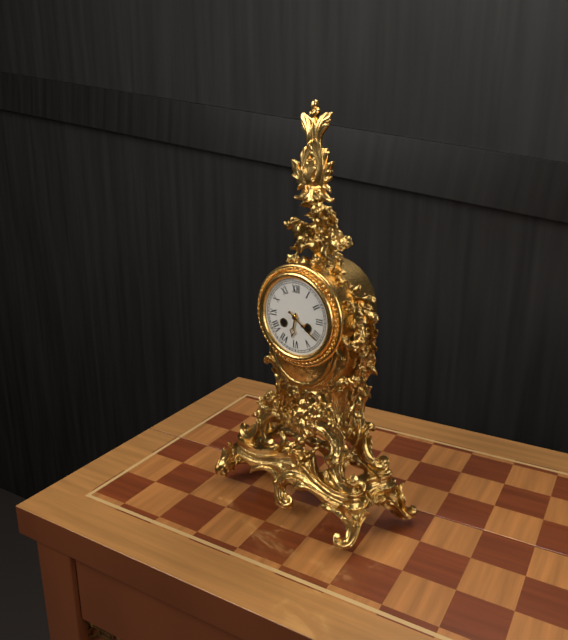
6:21
